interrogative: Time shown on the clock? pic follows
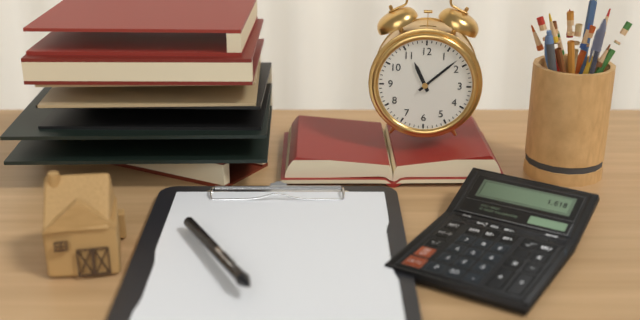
11:08
